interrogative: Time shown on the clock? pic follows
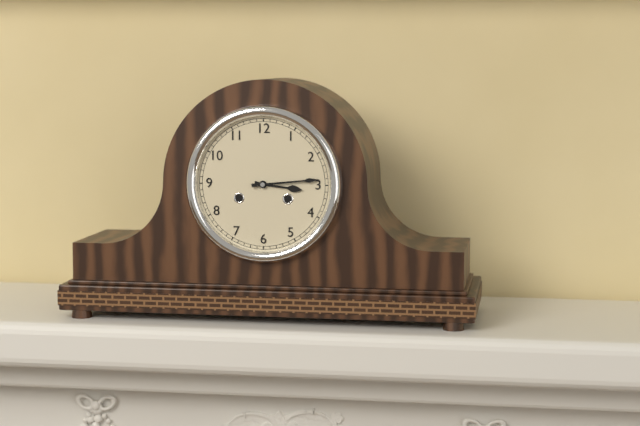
3:14
